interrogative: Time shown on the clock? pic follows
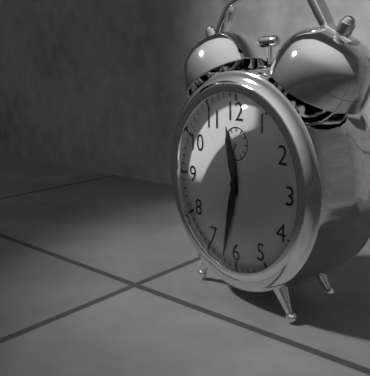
11:32
